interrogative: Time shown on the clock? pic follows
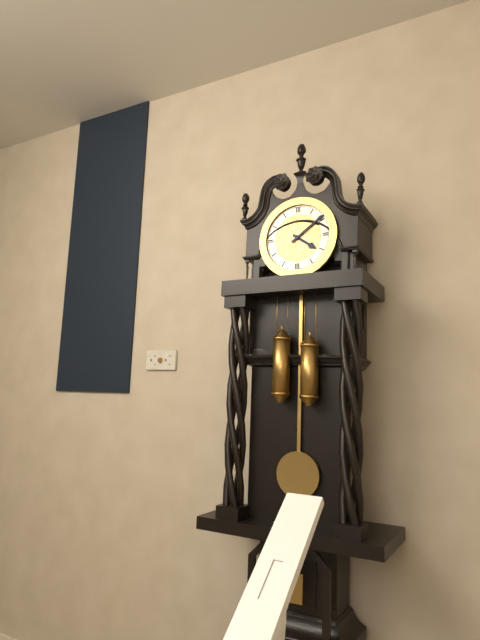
4:09
